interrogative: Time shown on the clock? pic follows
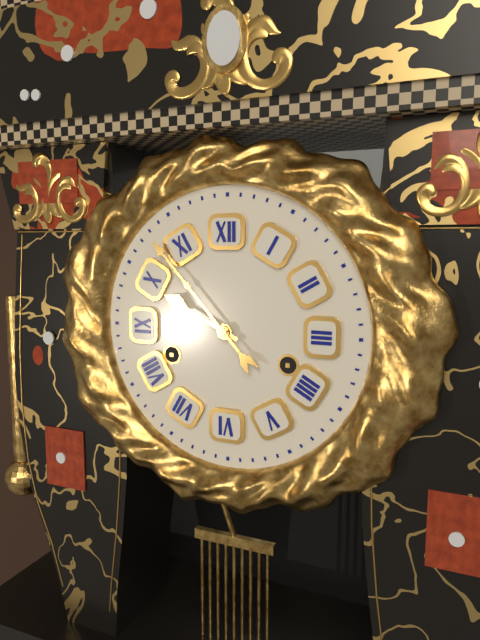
9:53
